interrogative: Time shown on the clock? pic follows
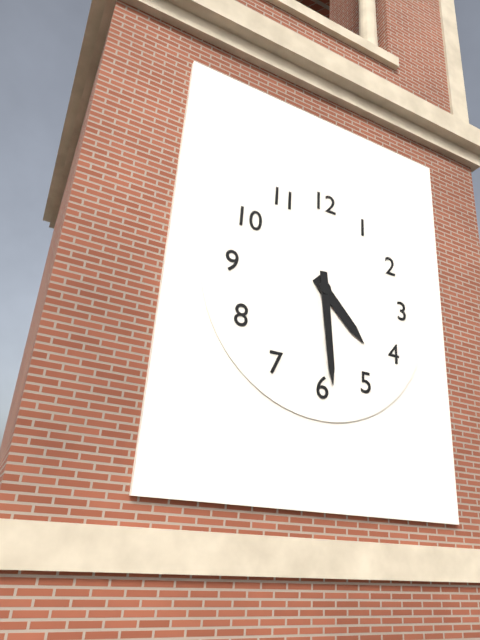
4:29
